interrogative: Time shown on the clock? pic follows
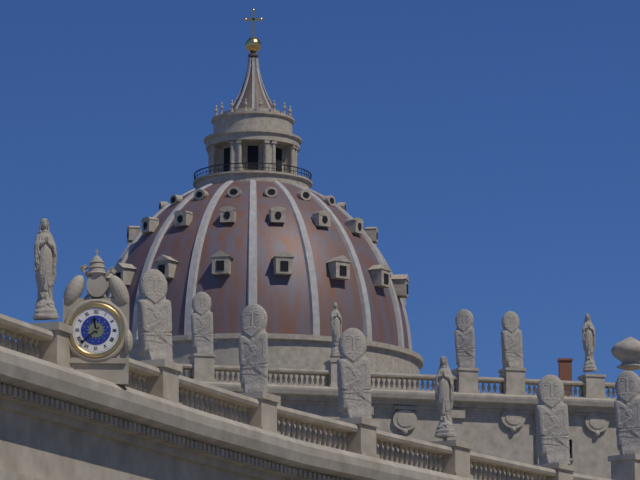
11:38
